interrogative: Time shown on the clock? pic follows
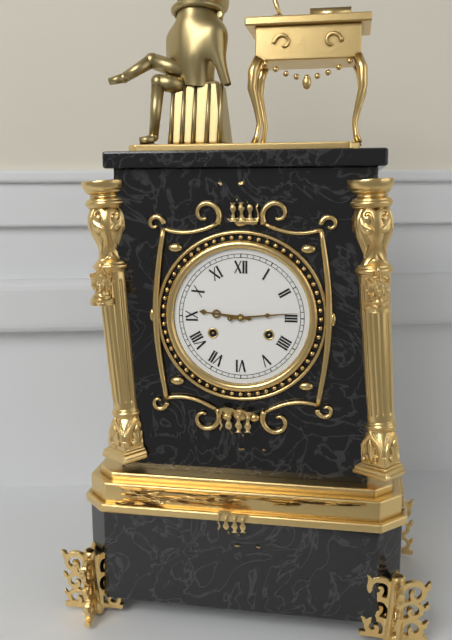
9:14
